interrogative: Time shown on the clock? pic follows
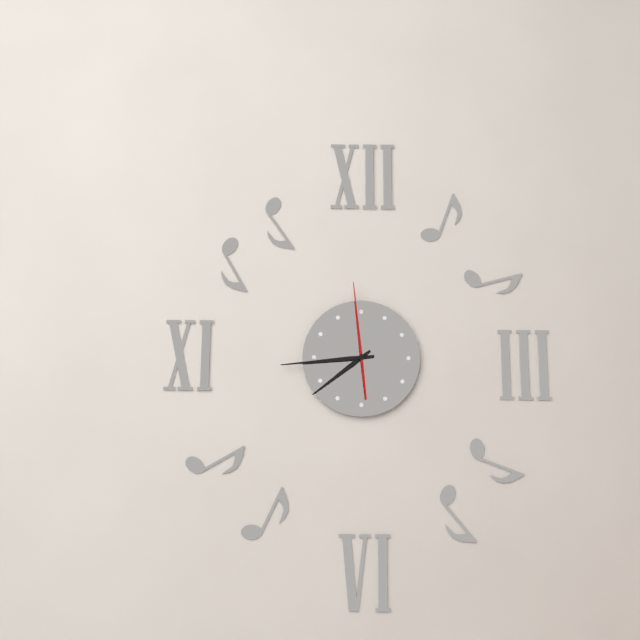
7:44:59
